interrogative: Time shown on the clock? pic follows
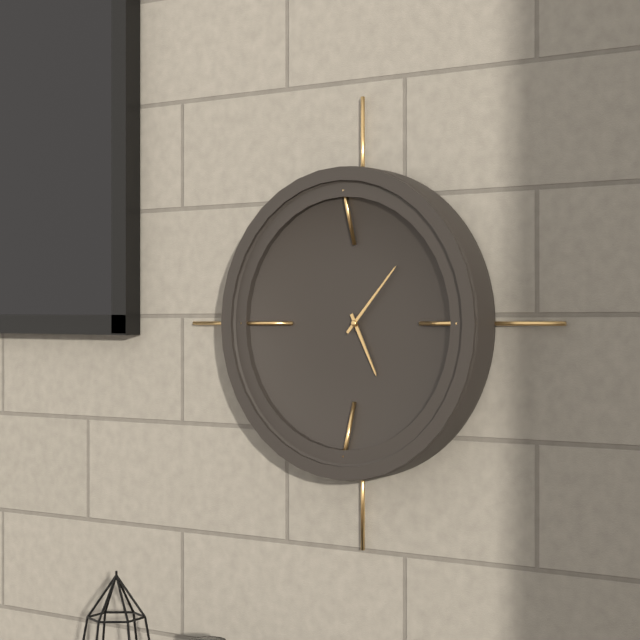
5:07
